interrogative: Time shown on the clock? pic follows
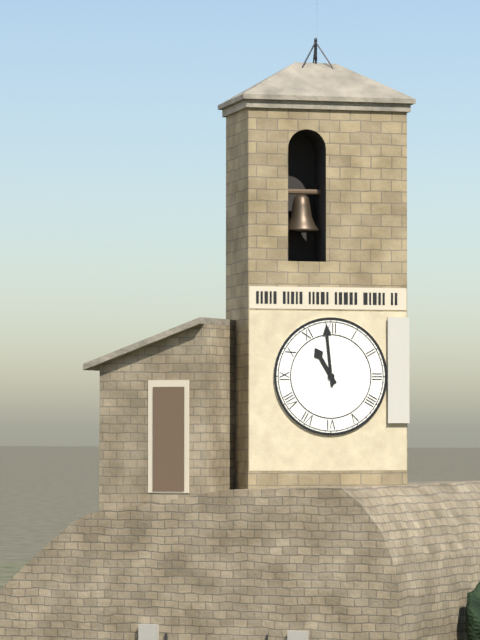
10:59
